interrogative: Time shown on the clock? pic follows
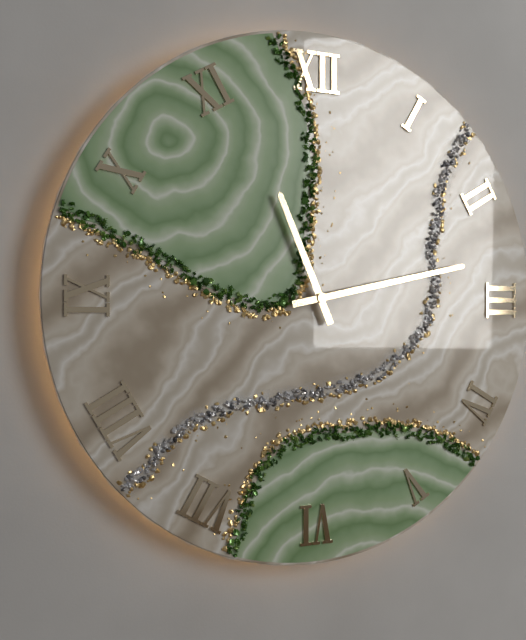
11:13
